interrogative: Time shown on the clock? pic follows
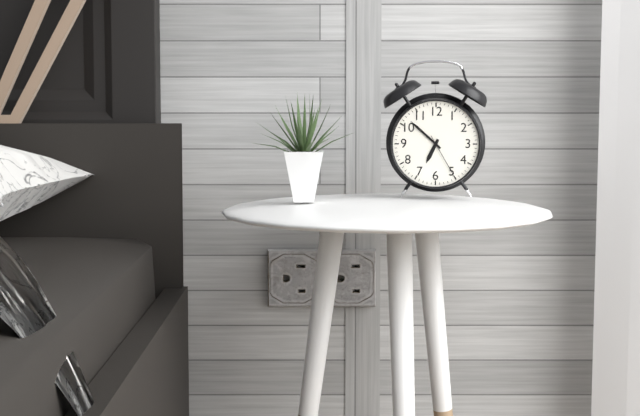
6:52
